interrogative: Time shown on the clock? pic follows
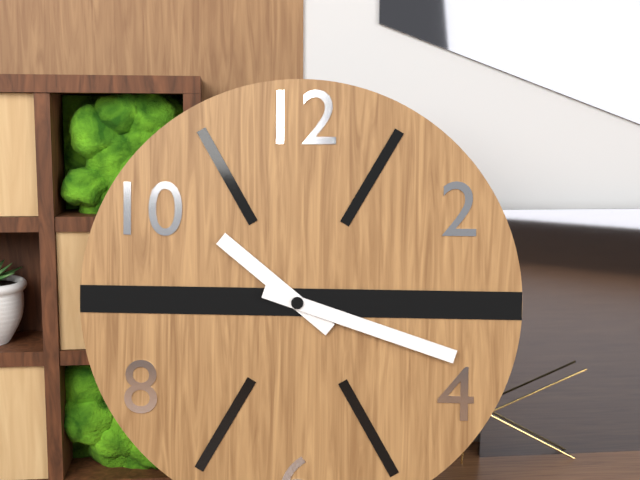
10:18
